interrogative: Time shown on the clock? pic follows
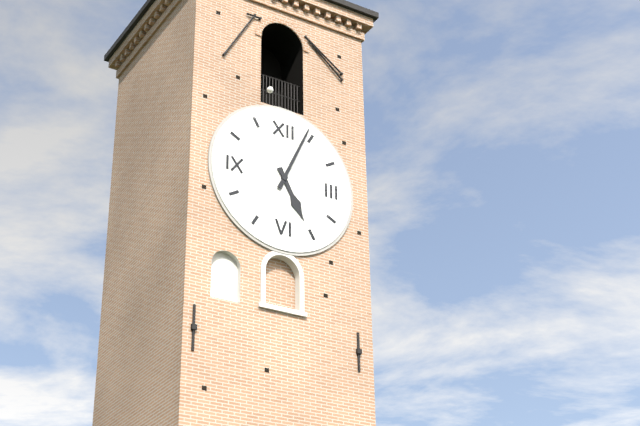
5:04
